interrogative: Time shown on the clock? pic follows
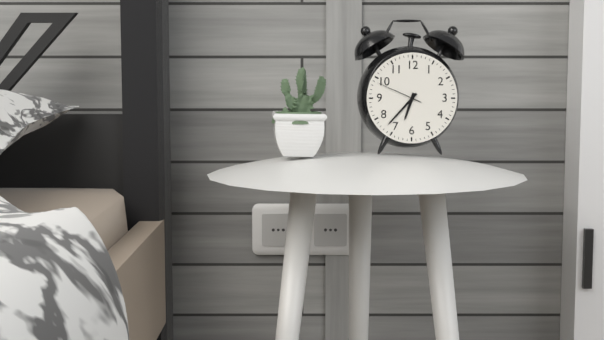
6:37
